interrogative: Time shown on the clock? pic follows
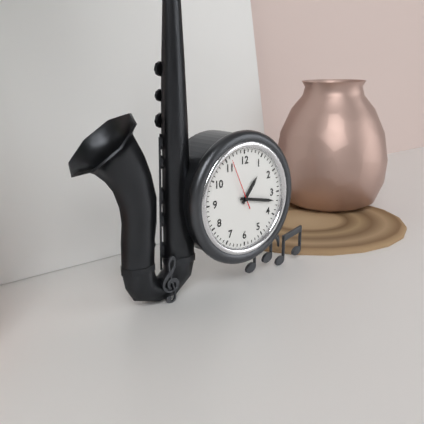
1:17:56
